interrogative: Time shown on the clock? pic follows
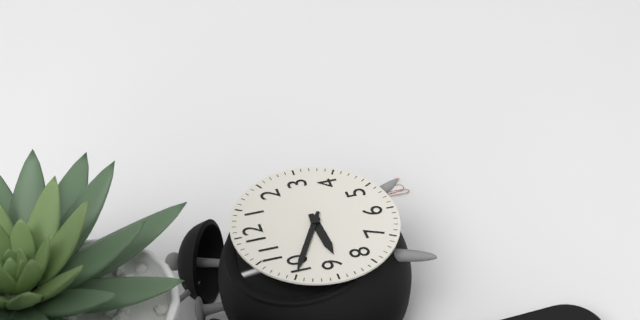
8:50
